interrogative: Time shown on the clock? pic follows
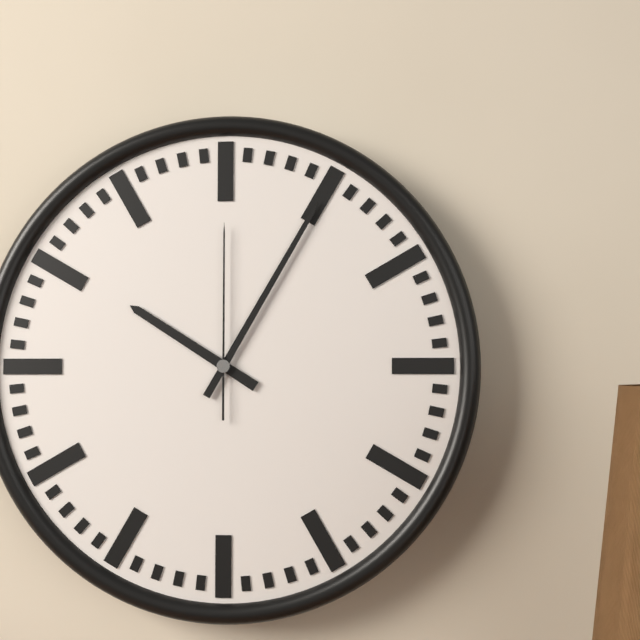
10:05:00
